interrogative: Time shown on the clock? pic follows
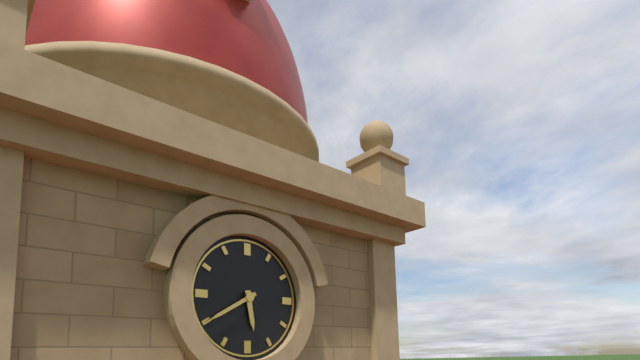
5:40
